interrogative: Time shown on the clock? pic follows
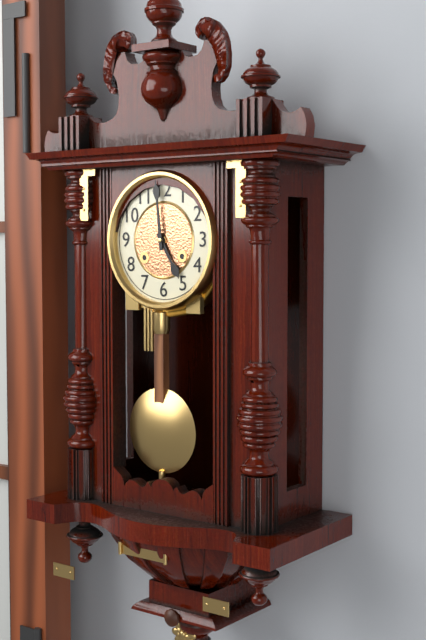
4:59
